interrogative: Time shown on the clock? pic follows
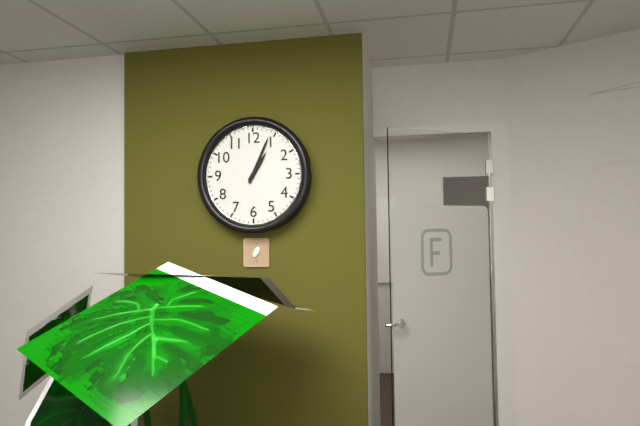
1:04
